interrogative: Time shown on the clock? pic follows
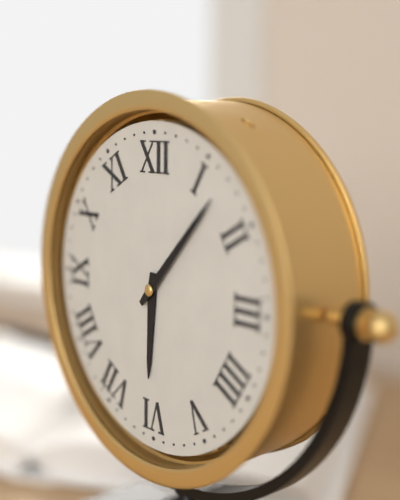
6:07
